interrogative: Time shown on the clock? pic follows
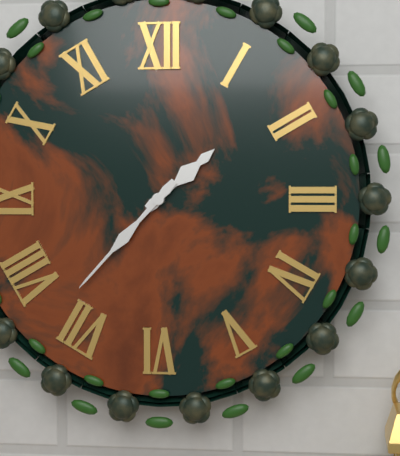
1:37
